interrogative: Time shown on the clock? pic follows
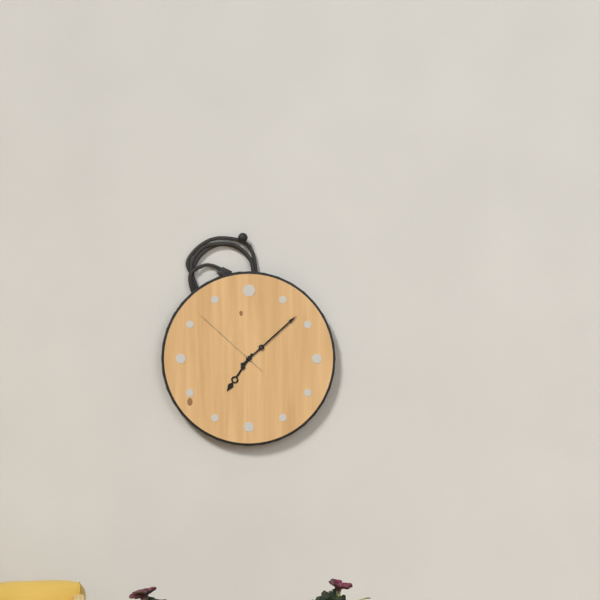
7:08:52
